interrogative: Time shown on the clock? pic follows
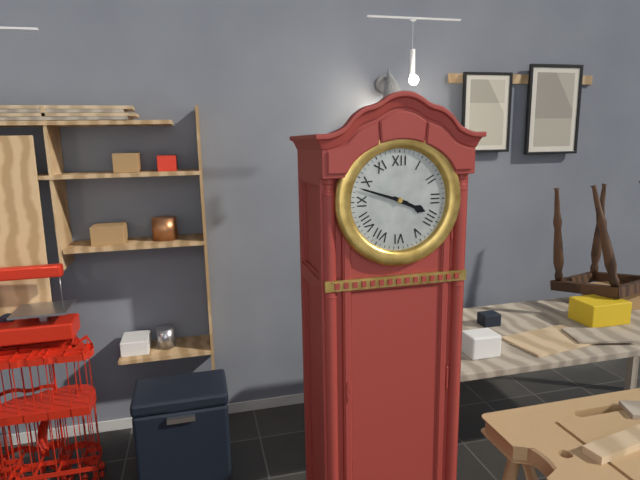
3:48
